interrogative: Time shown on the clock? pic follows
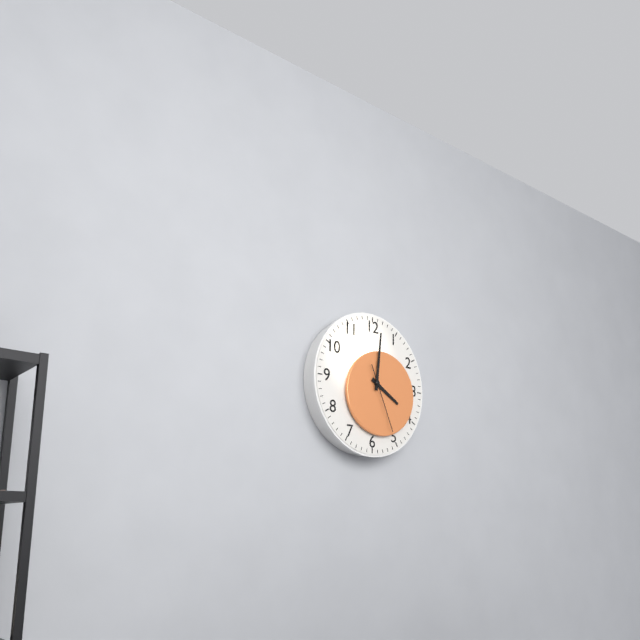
4:01:26
